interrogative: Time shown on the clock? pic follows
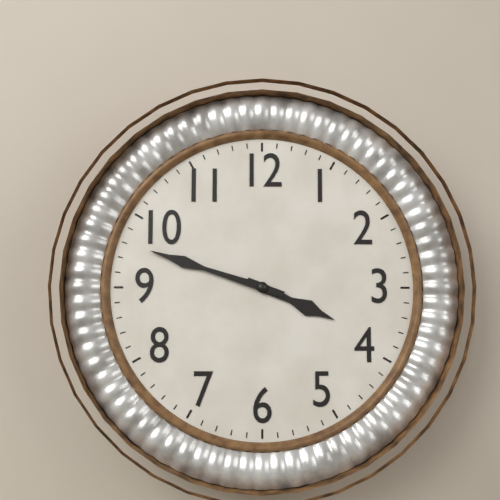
3:48
